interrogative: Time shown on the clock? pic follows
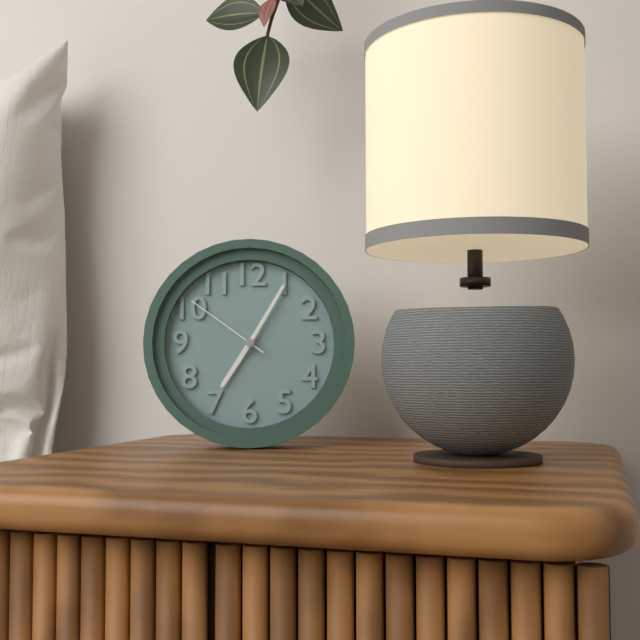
7:05:51
